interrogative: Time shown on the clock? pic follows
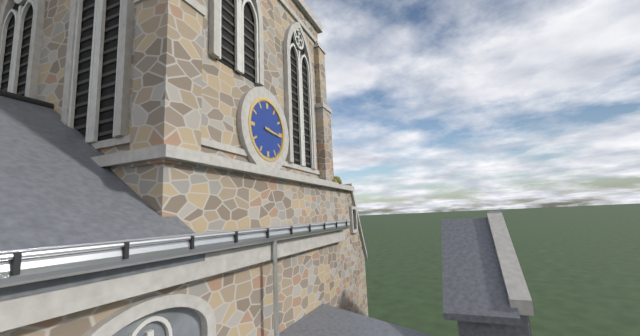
3:16
